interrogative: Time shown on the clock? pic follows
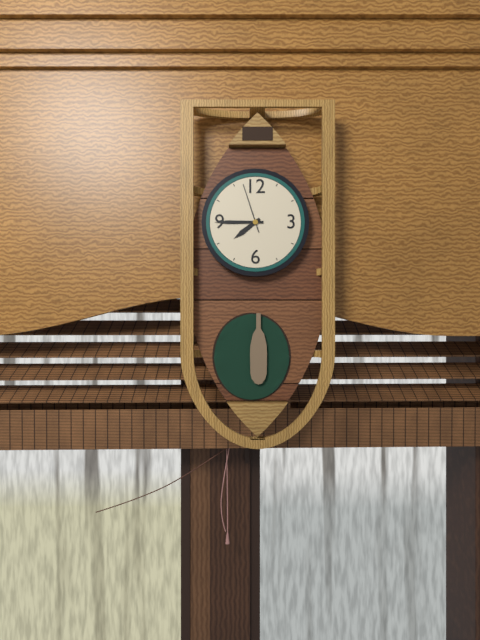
7:45
